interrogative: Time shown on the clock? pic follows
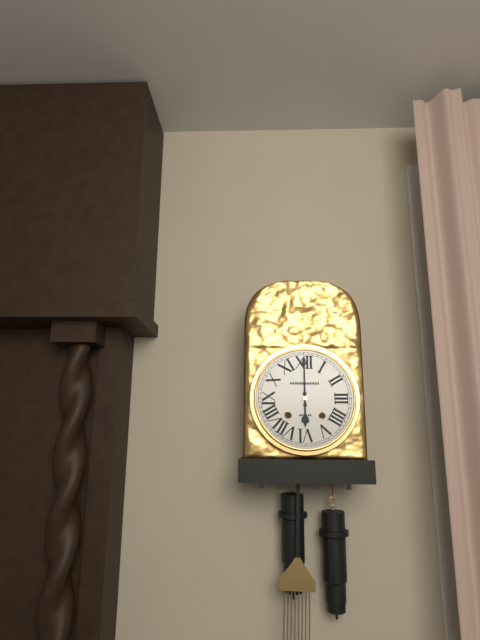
6:00
